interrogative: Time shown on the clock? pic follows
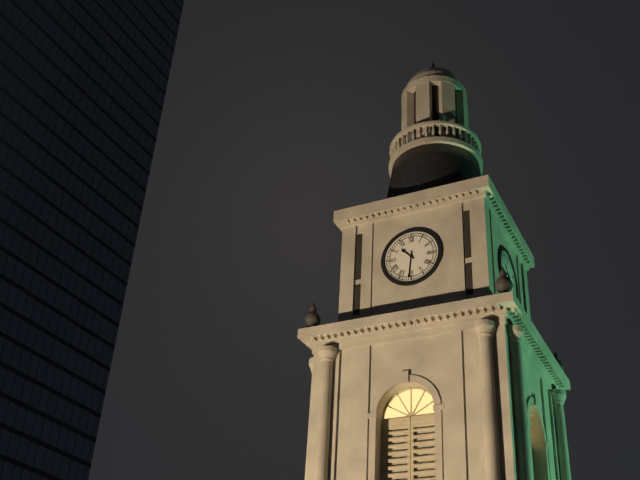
10:31
